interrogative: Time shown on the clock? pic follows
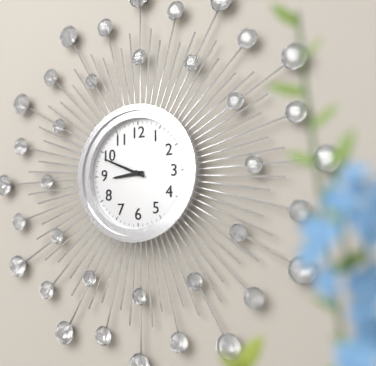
8:49
